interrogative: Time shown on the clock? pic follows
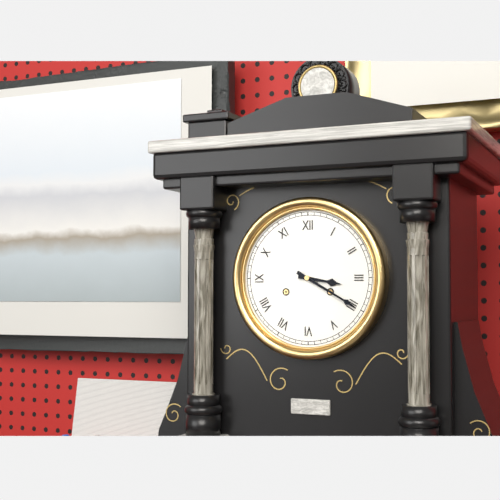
3:20
